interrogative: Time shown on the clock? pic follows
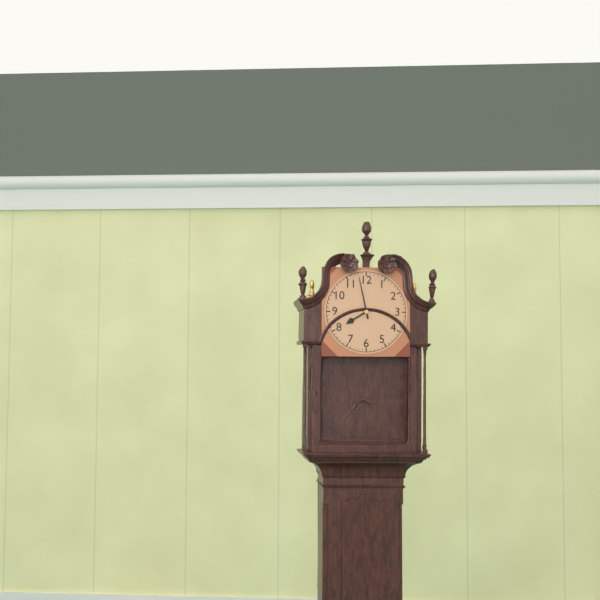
7:58
